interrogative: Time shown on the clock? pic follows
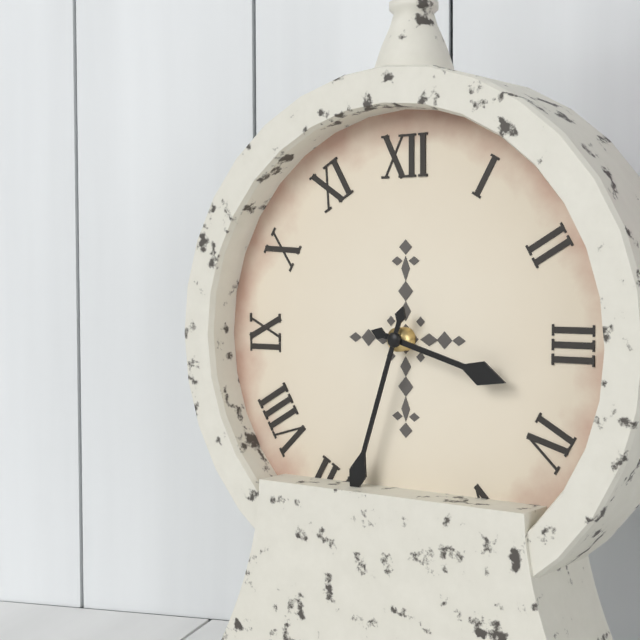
3:33
